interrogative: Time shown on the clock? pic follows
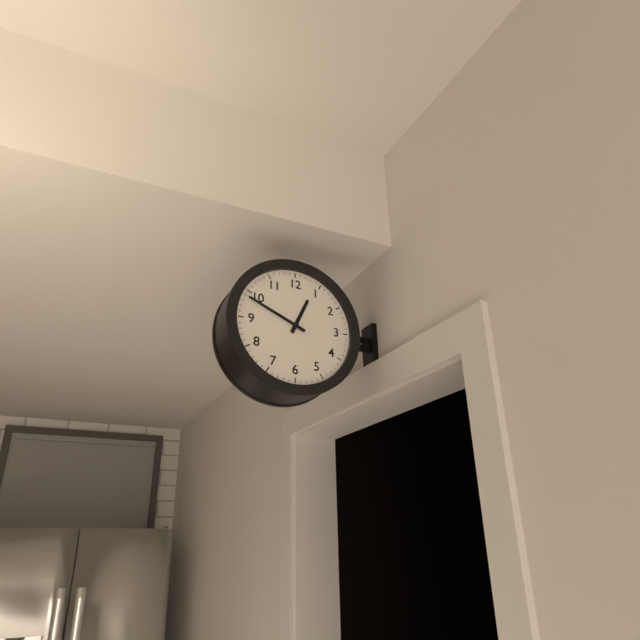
12:49
